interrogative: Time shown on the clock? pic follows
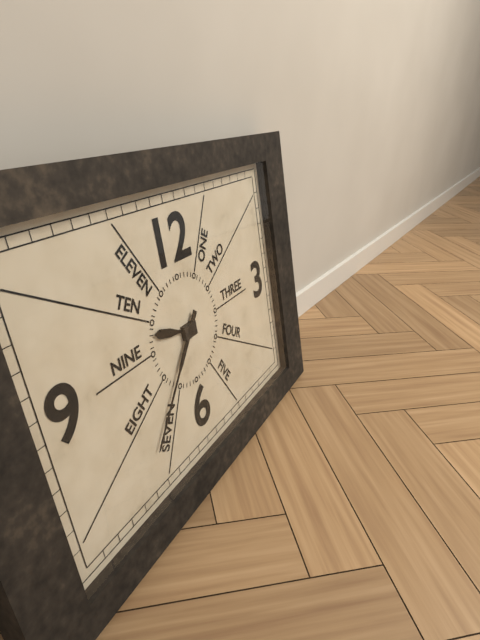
9:37
